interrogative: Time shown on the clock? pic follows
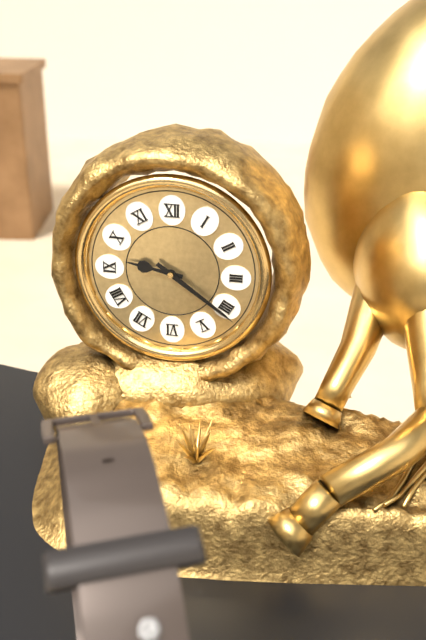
9:21
